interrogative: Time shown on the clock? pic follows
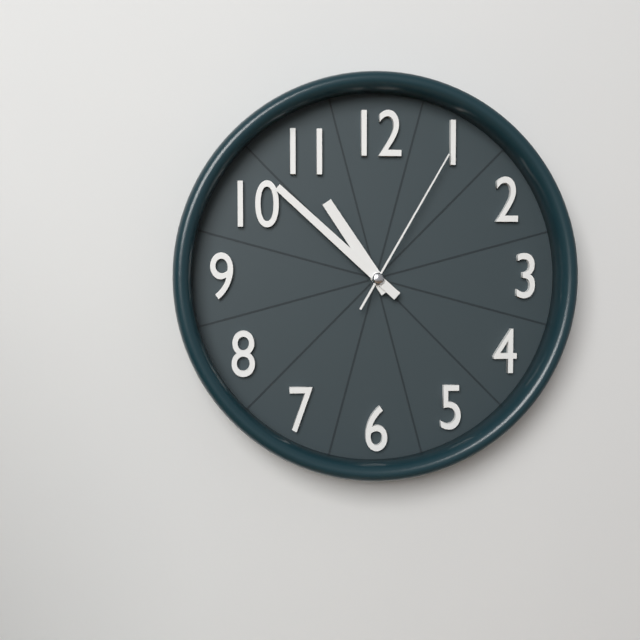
10:52:05
